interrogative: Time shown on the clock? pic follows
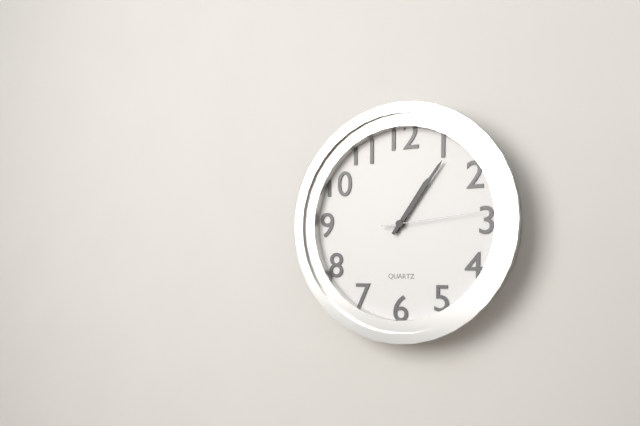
1:06:14
